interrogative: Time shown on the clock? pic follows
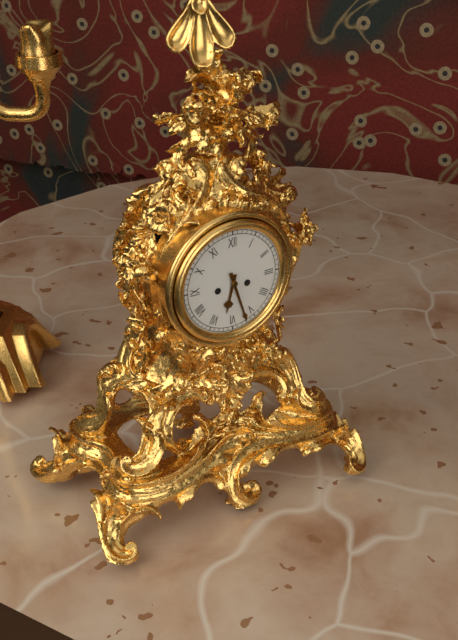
6:27
